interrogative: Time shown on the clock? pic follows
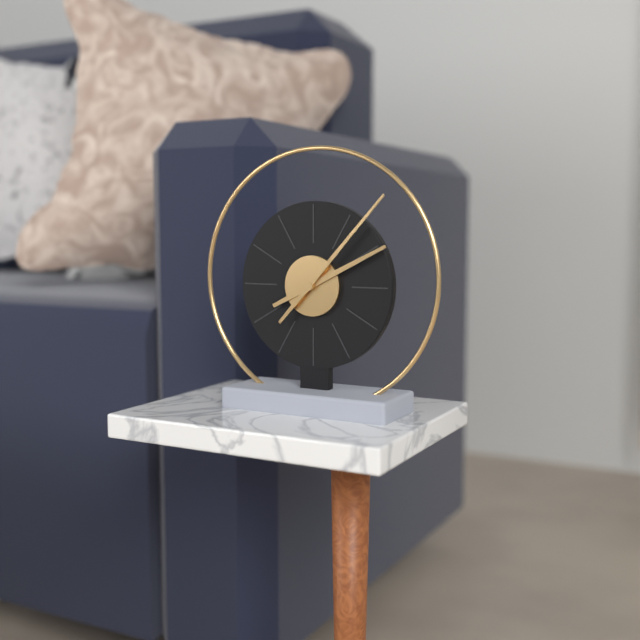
2:07
